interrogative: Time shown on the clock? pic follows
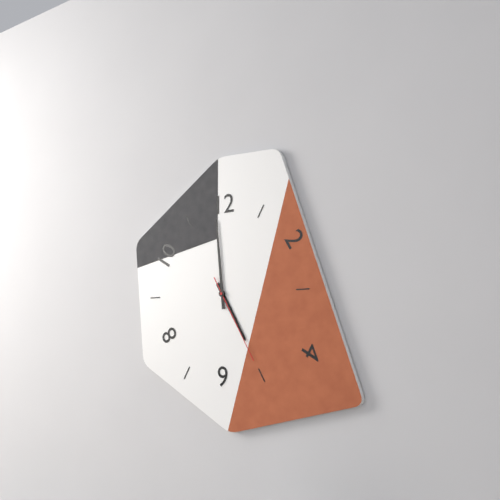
4:59:25
